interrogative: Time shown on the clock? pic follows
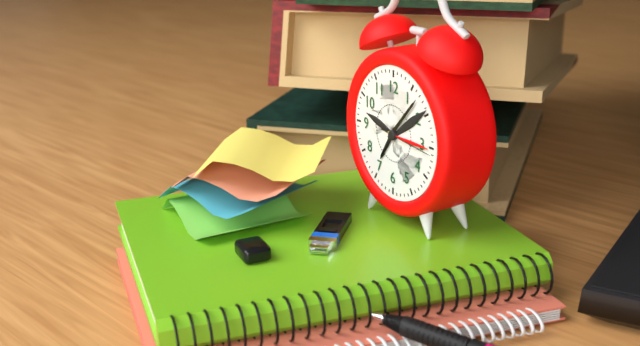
7:07:16
